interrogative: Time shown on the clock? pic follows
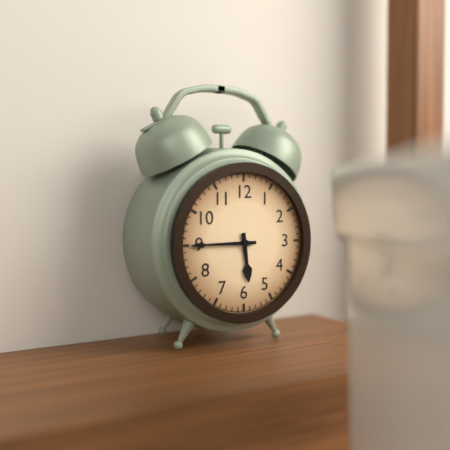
5:45
